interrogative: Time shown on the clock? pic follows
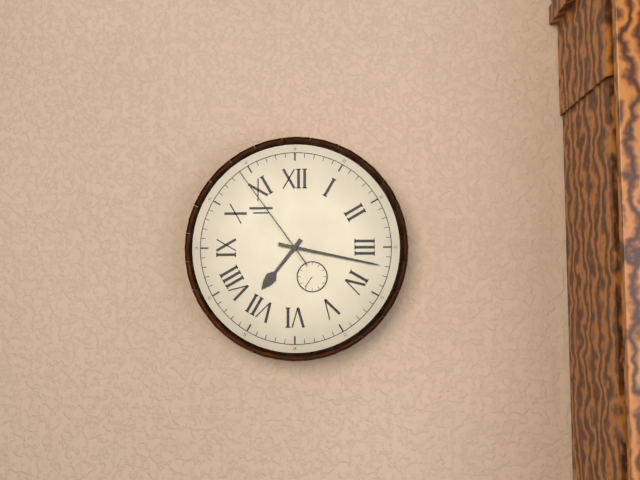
7:17:54
